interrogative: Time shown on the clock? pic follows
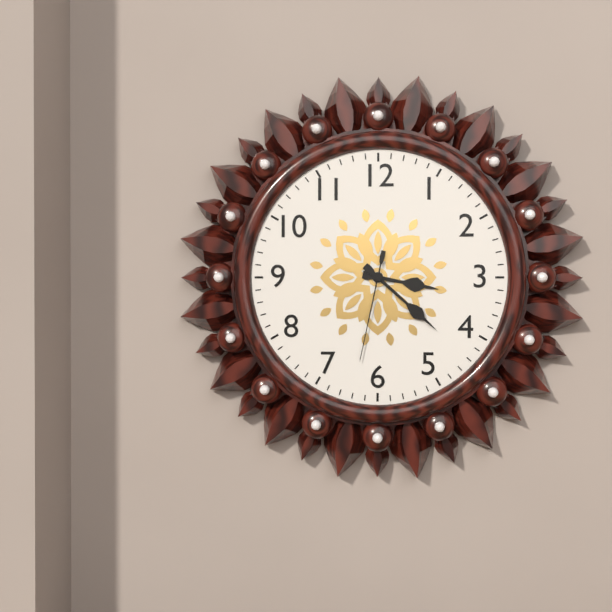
3:22:32
